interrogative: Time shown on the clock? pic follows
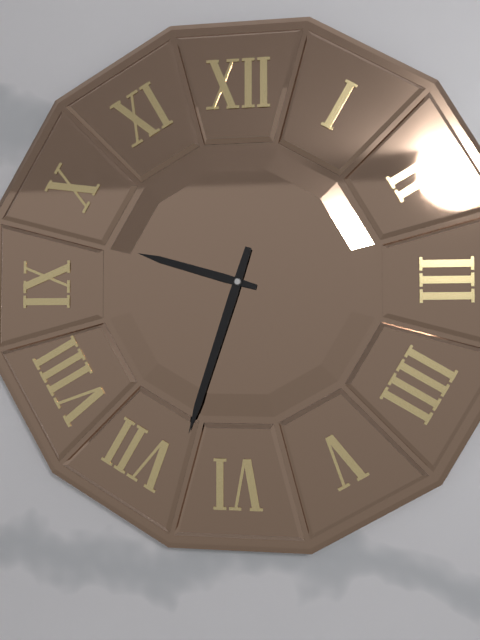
9:33
